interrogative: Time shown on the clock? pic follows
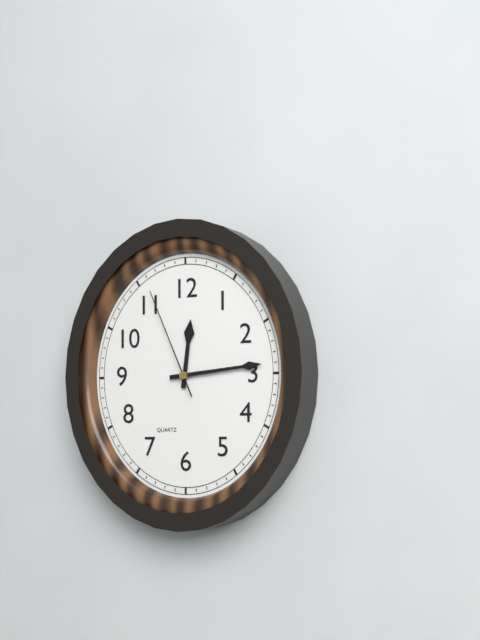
12:14:56
